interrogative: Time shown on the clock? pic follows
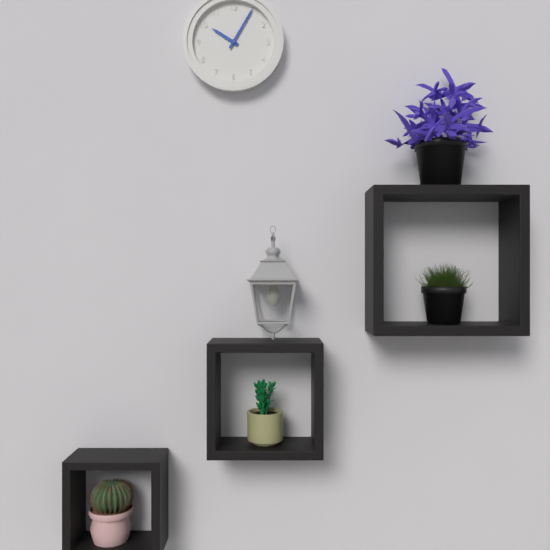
10:05
